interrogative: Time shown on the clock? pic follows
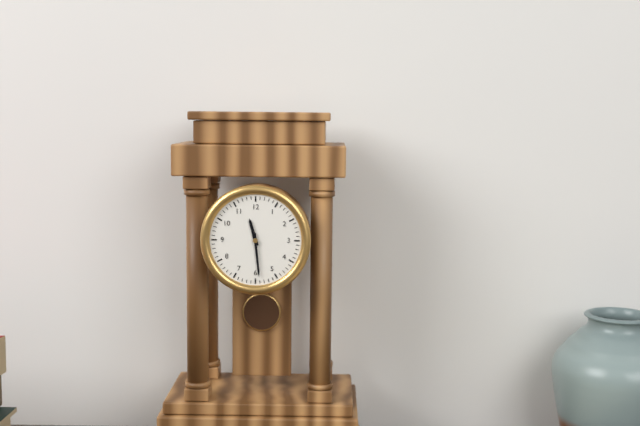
11:29
